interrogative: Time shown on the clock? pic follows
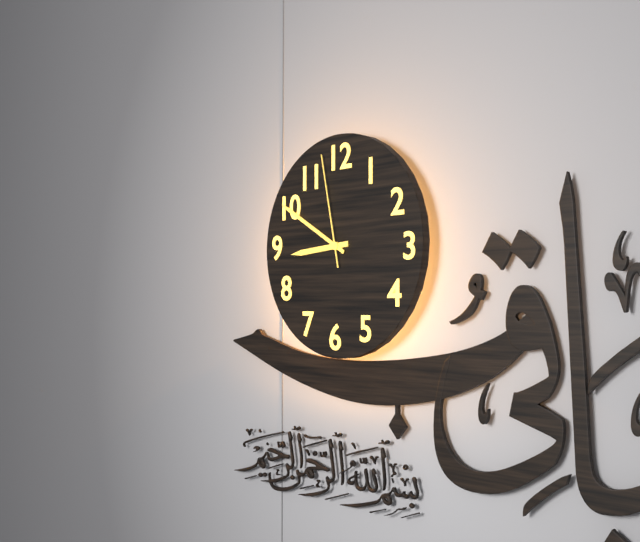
8:50:58
